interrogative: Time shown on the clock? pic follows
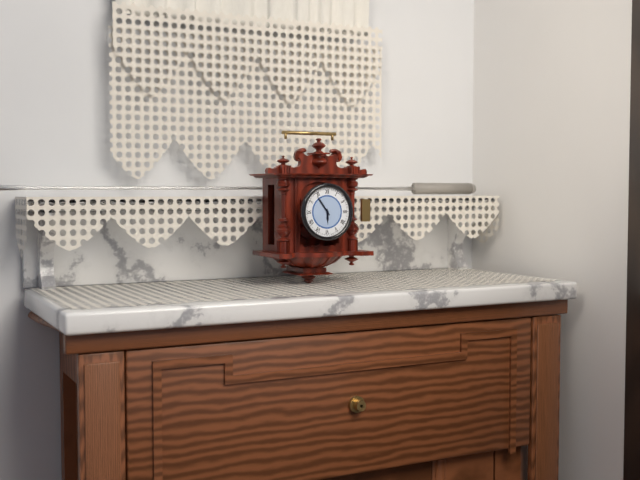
5:54
